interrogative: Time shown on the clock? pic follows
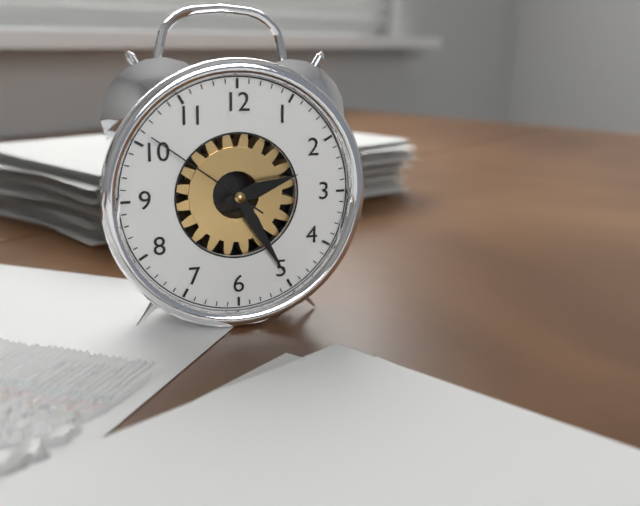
2:25:51
